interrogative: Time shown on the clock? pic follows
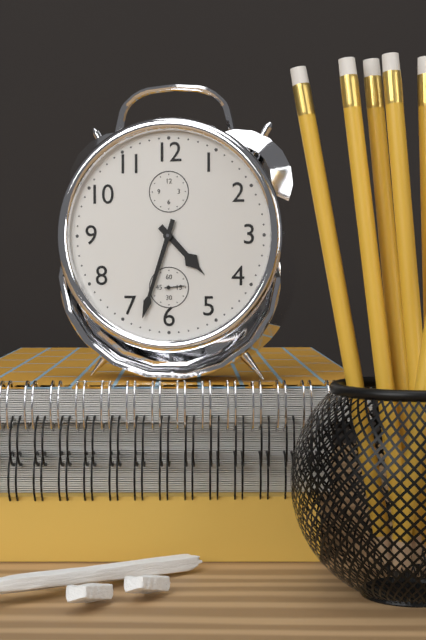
4:33
